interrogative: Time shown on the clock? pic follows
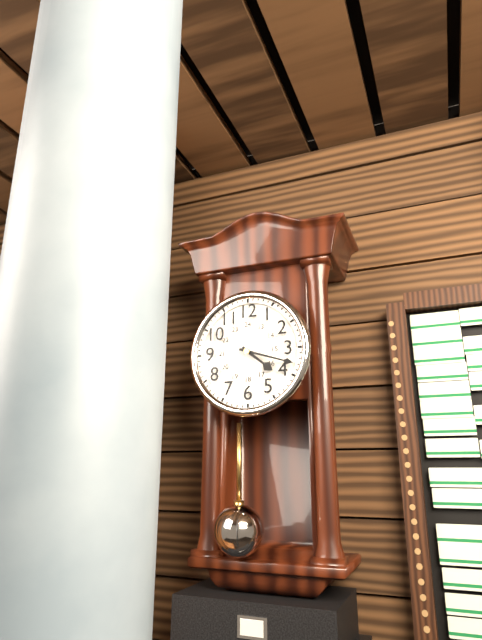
4:18
